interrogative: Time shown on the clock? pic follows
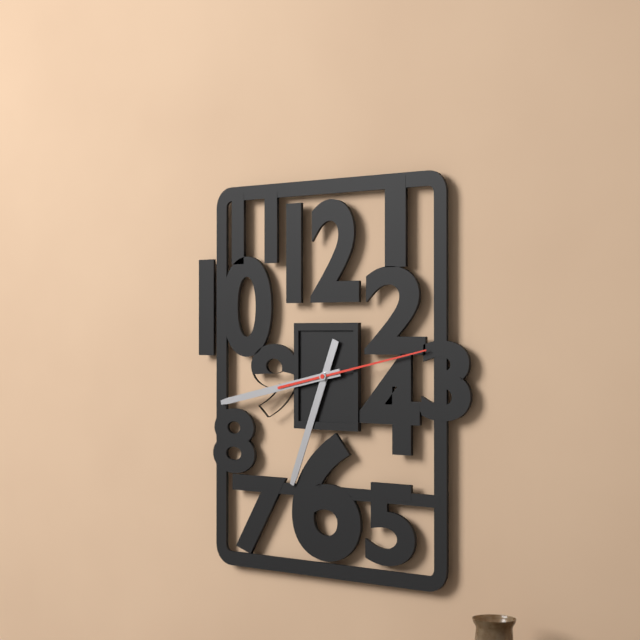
6:43:13
